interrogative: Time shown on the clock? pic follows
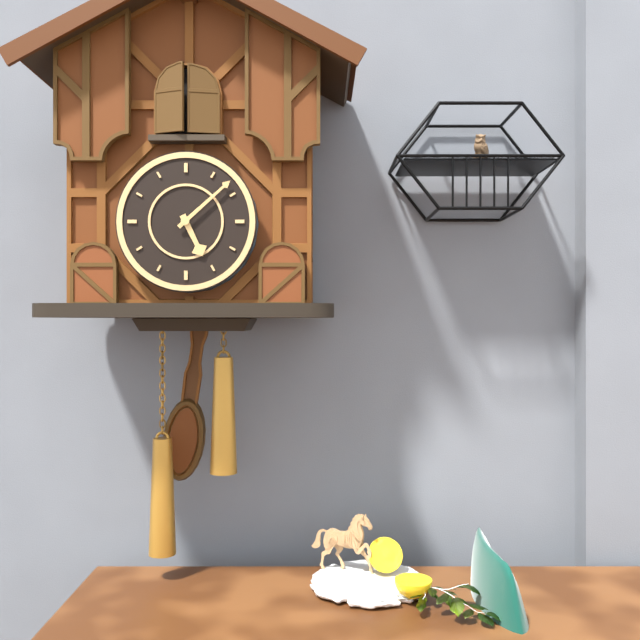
5:08
